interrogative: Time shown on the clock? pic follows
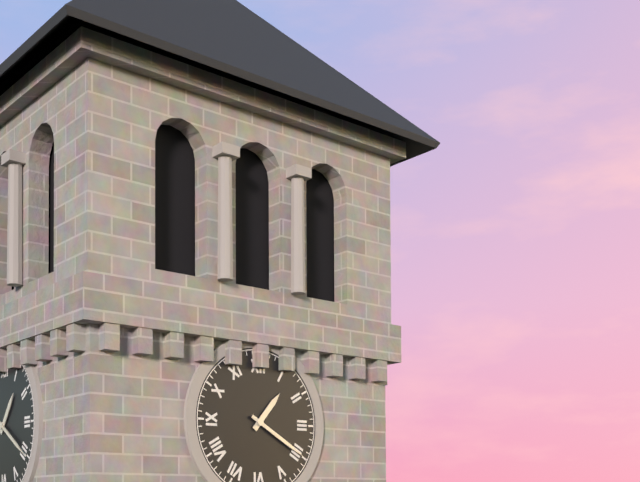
1:20
